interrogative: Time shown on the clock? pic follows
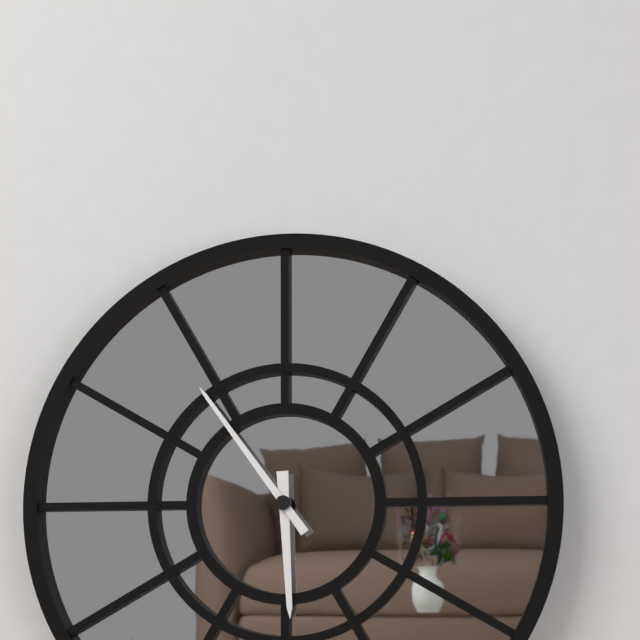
5:54
